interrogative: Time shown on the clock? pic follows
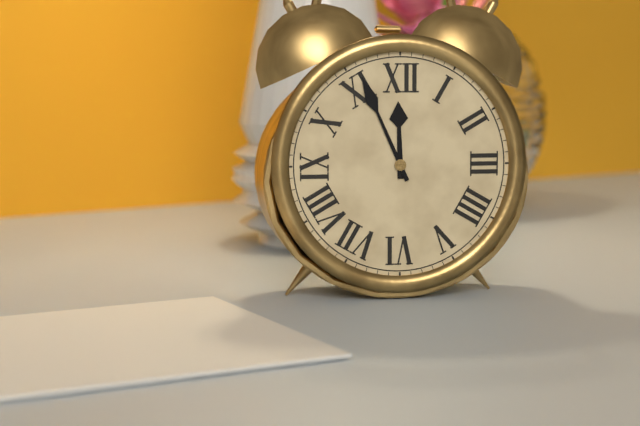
11:56
